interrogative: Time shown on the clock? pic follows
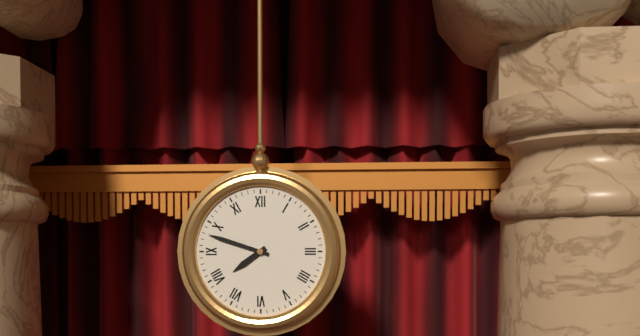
7:48
